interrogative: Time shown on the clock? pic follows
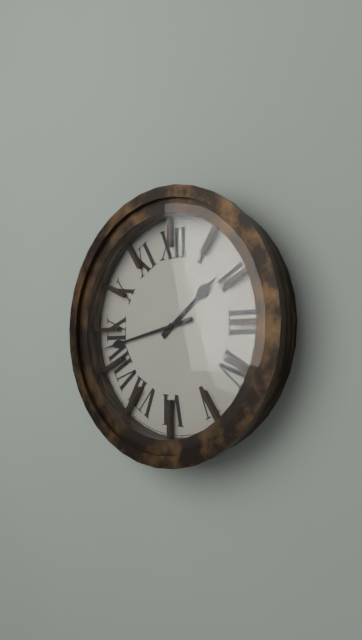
1:43
